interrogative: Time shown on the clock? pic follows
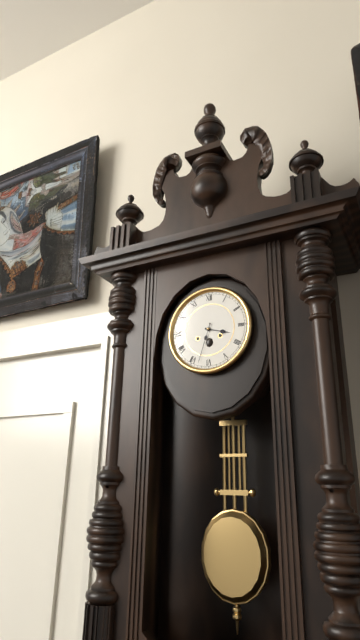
3:33
